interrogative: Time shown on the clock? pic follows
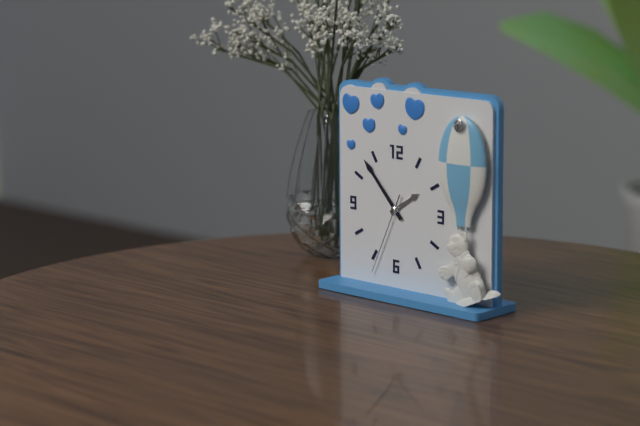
1:53:34
